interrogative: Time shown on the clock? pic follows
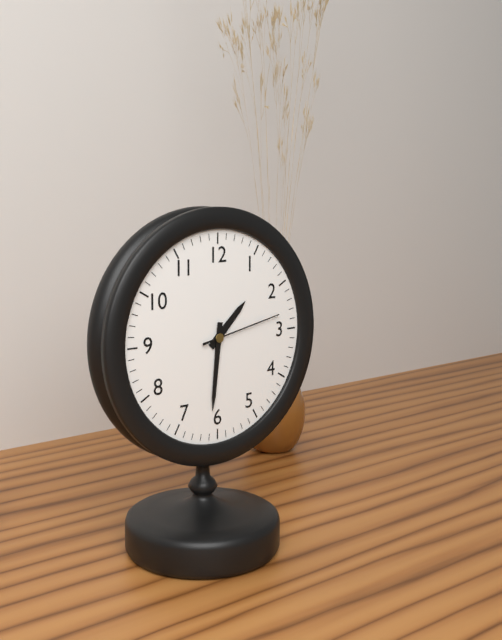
1:31:13
